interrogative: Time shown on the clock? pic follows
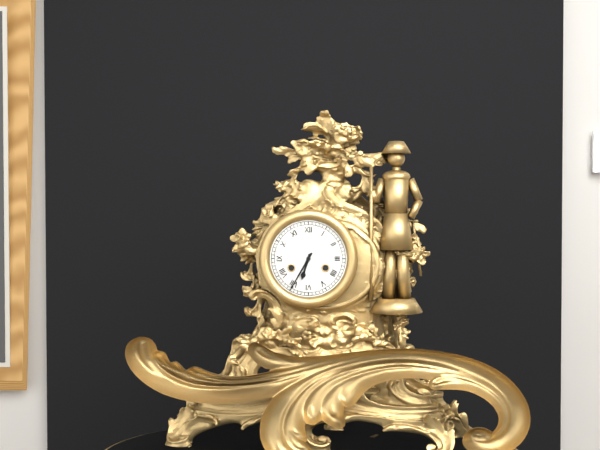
6:35
